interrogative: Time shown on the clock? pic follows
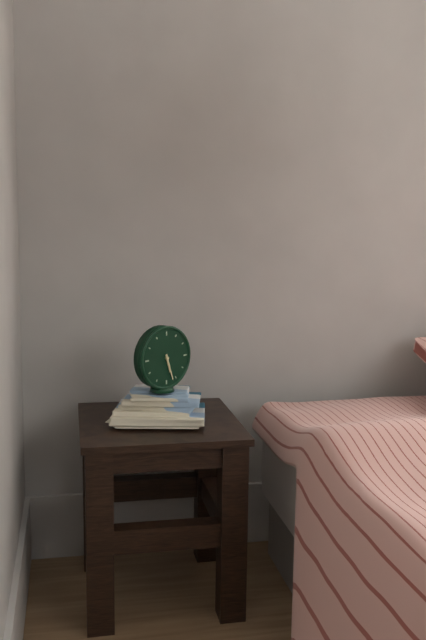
5:27
